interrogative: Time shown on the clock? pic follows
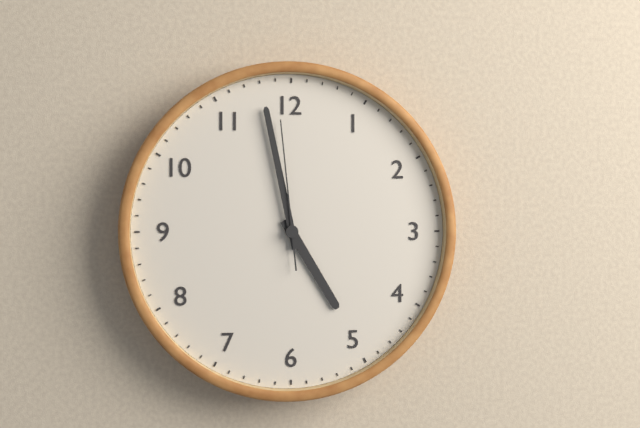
4:58:59
